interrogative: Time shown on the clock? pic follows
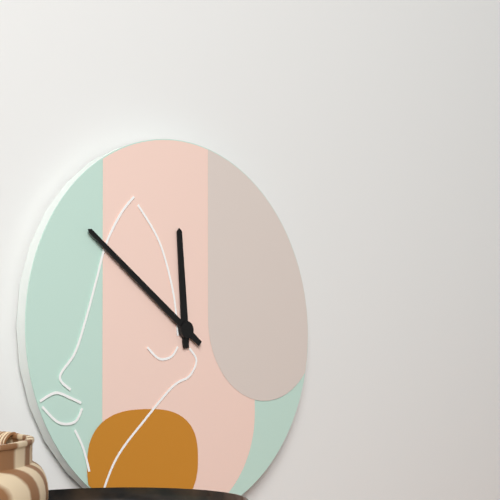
11:51
